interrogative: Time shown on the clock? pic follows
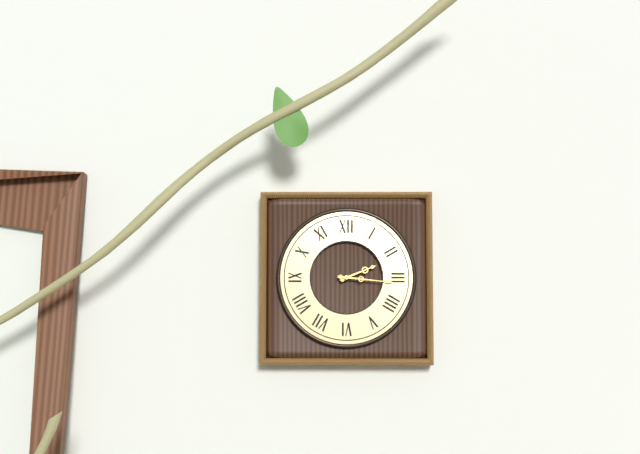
2:16
